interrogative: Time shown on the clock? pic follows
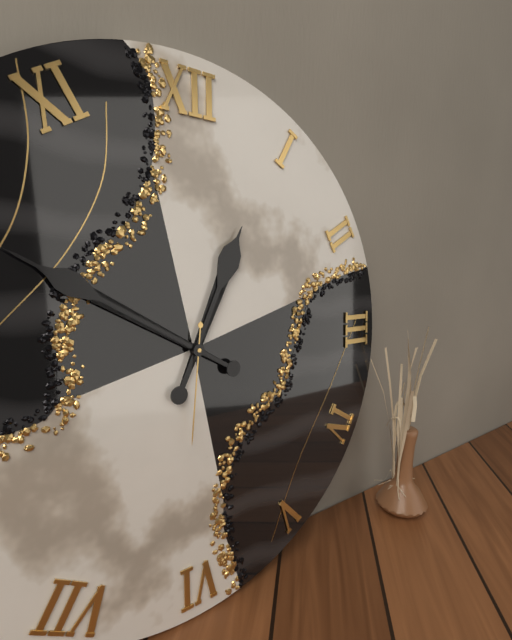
12:50:31
